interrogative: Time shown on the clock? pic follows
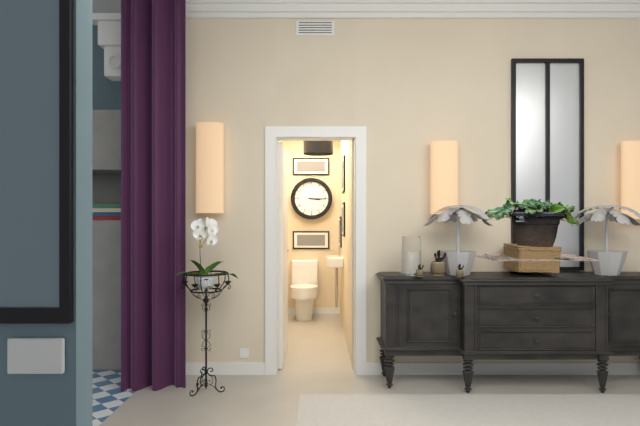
3:15
